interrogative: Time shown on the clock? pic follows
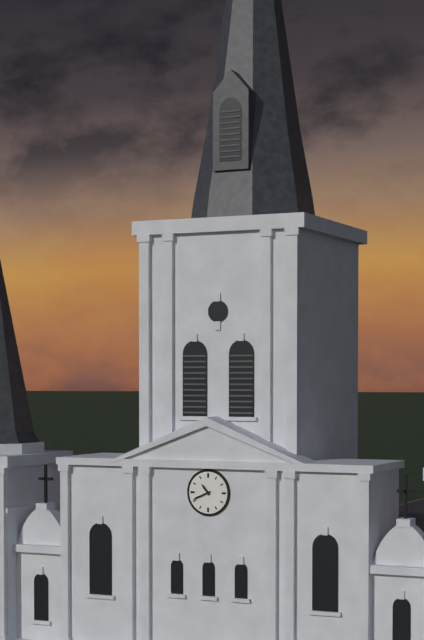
10:41
